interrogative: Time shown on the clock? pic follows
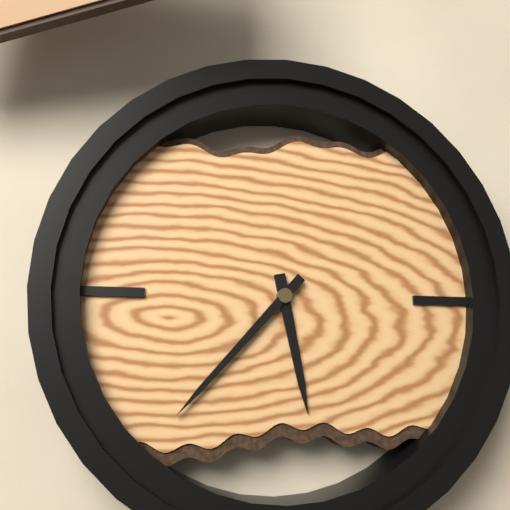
5:37
